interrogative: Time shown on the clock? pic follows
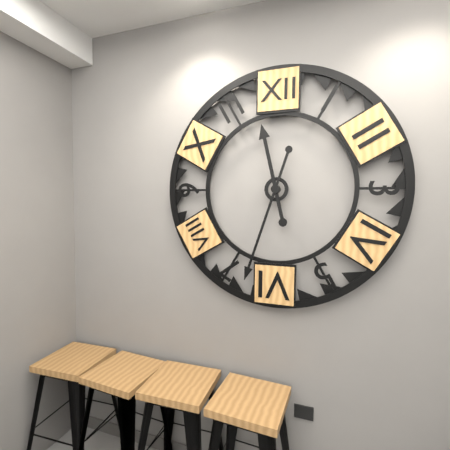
11:33
